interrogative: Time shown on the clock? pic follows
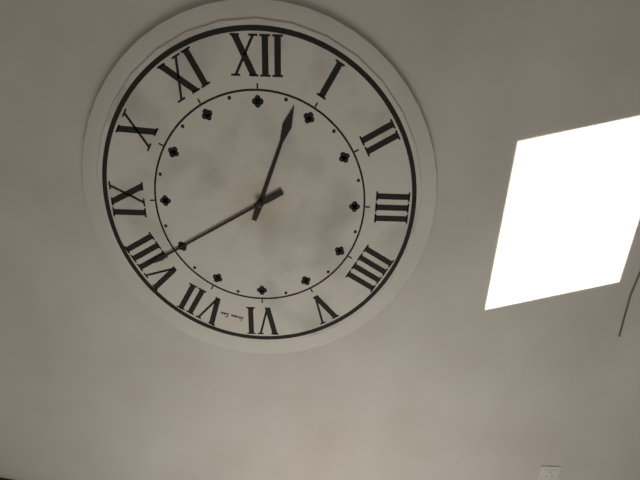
12:40
